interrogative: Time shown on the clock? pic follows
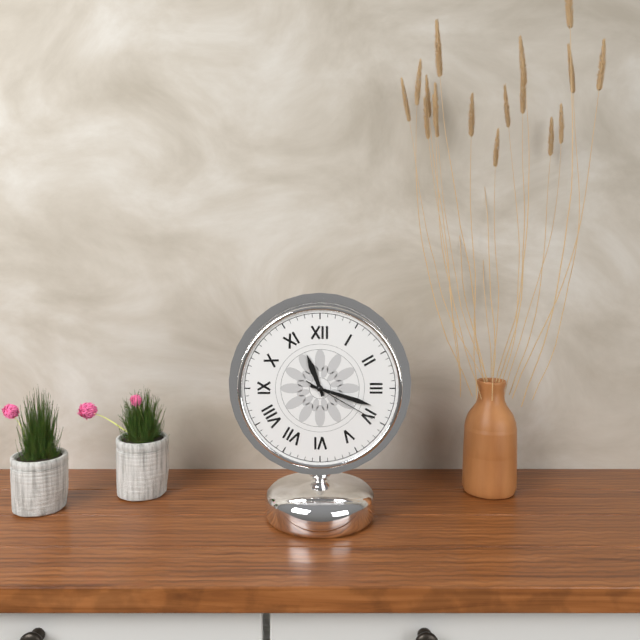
11:18:20
